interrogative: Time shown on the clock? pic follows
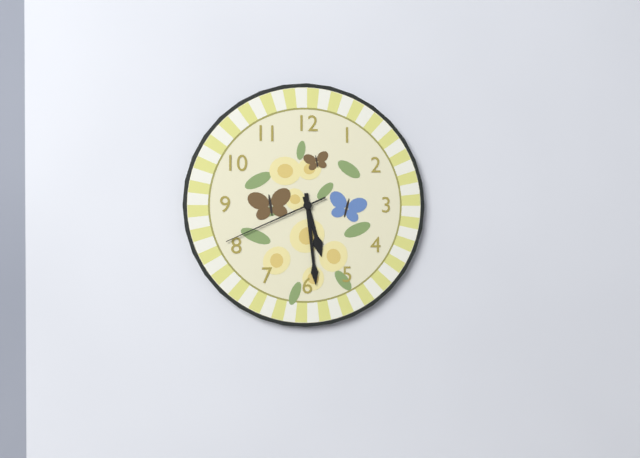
5:29:41
